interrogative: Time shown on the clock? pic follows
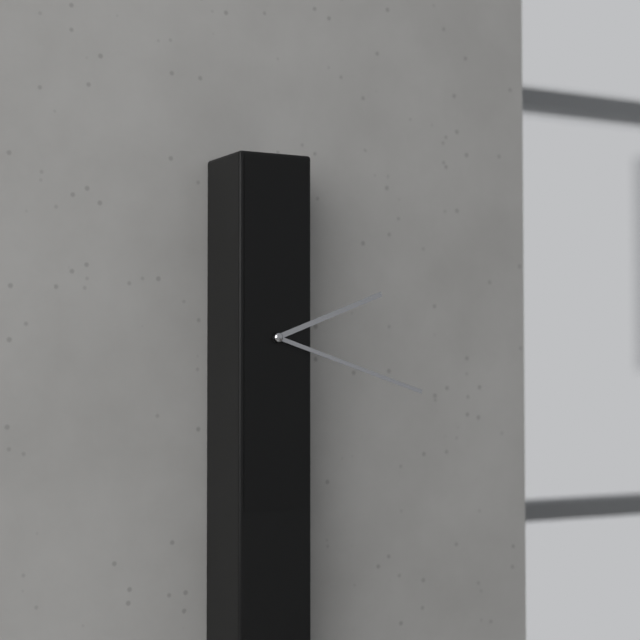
2:18
